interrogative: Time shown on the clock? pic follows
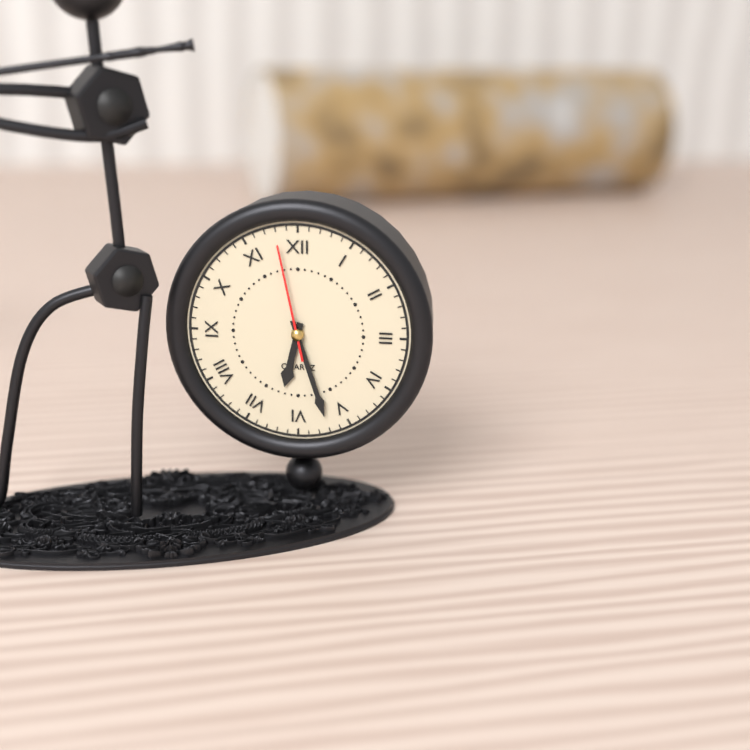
6:27:58
